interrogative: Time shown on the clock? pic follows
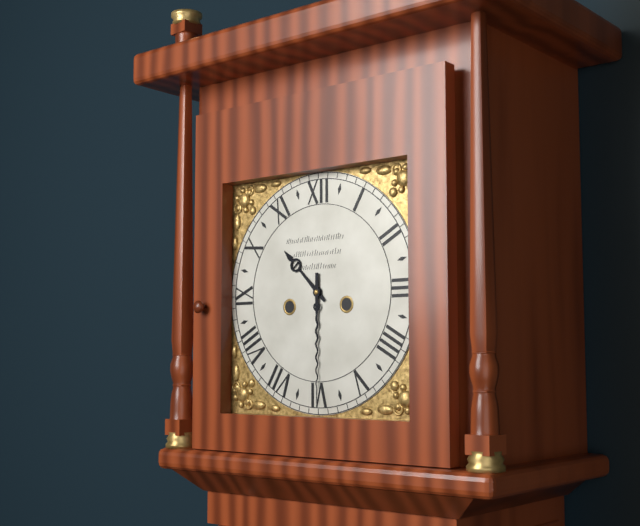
10:30
